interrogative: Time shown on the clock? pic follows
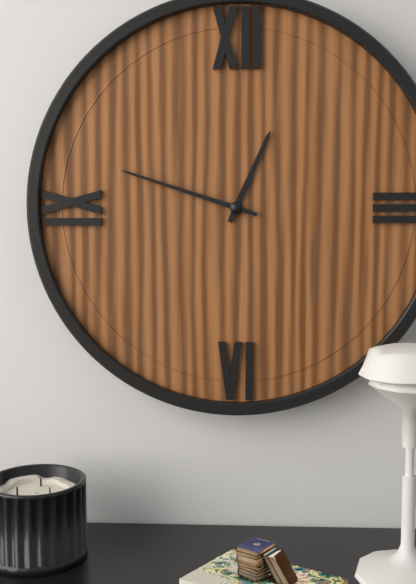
12:48
